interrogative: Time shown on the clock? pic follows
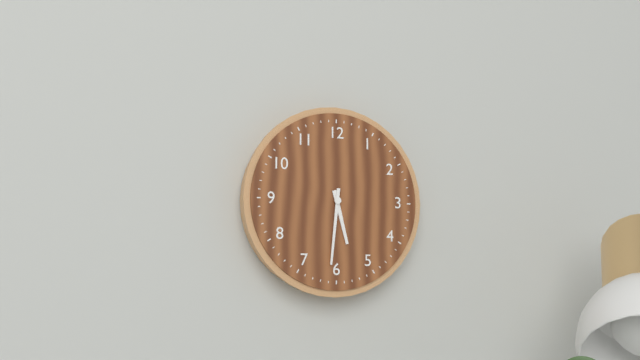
5:31
